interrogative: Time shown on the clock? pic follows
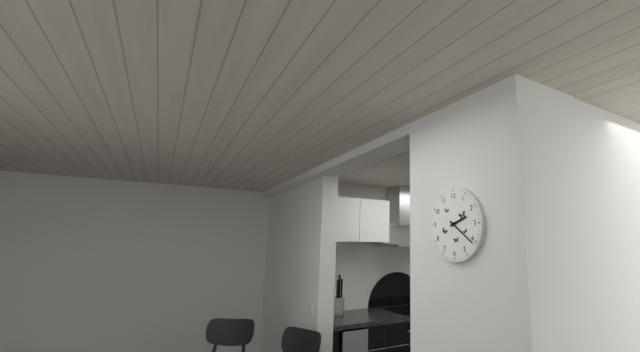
2:21
